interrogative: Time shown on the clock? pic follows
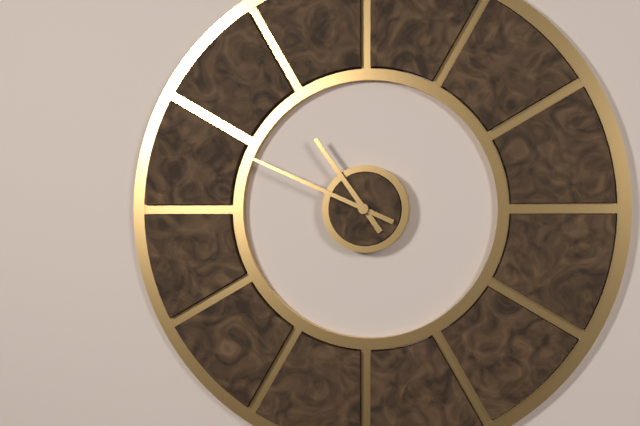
10:49
